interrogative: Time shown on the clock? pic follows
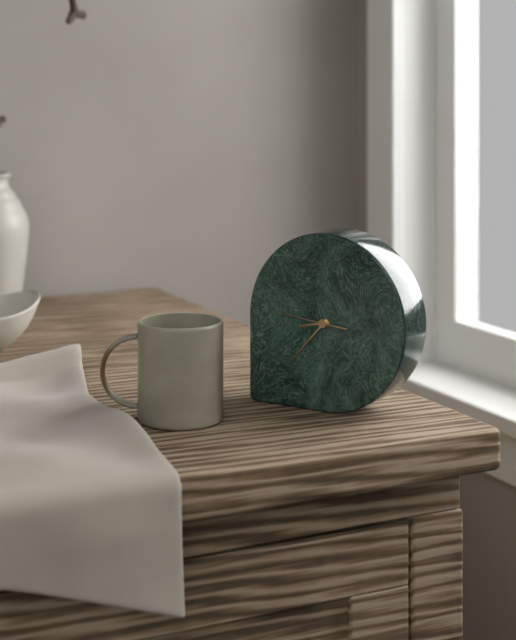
8:37:46
